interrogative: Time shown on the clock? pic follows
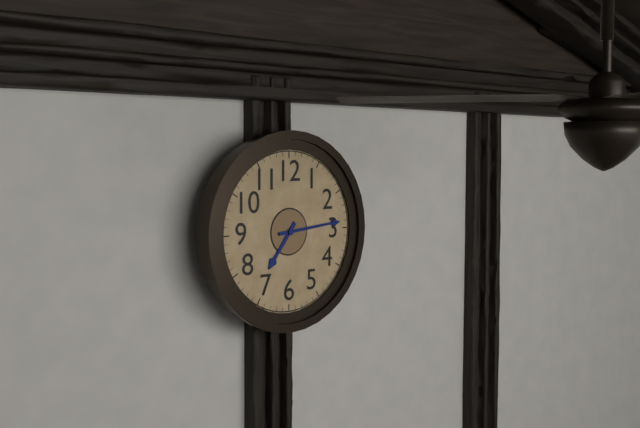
7:14
